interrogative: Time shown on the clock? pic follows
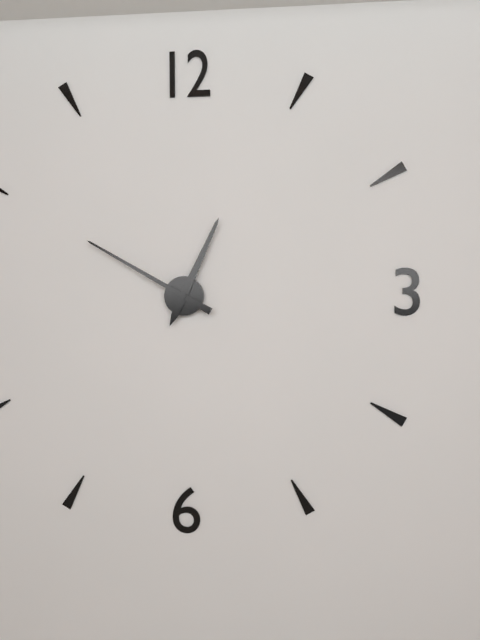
12:50
